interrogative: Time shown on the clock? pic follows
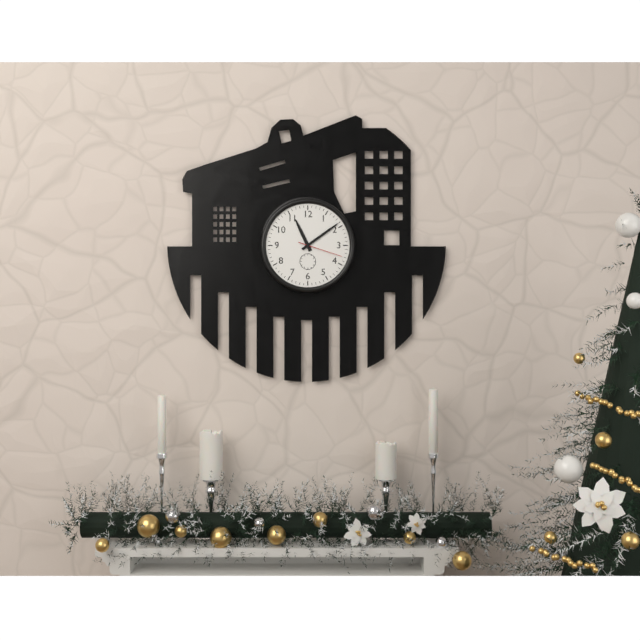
11:09
